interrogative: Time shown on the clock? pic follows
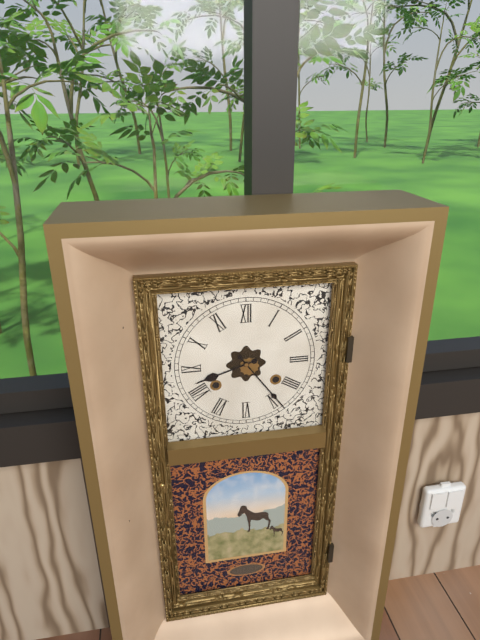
8:24
